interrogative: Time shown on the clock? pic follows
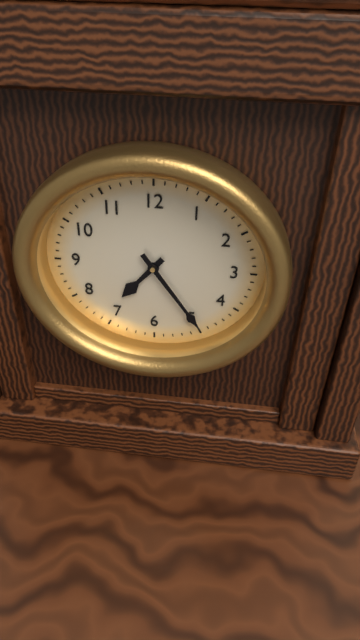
7:24
